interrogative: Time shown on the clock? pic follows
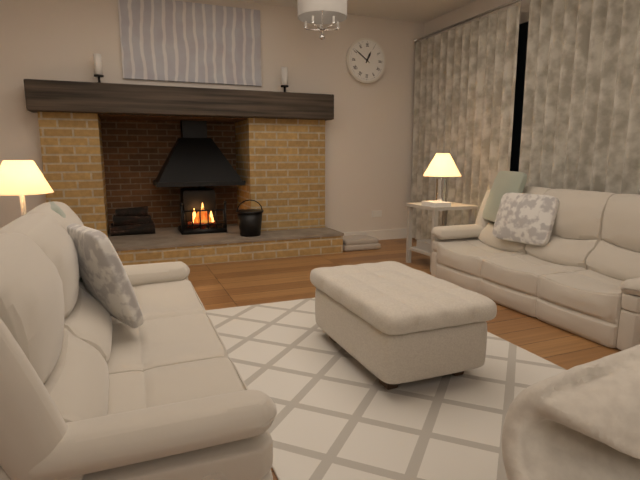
12:51
